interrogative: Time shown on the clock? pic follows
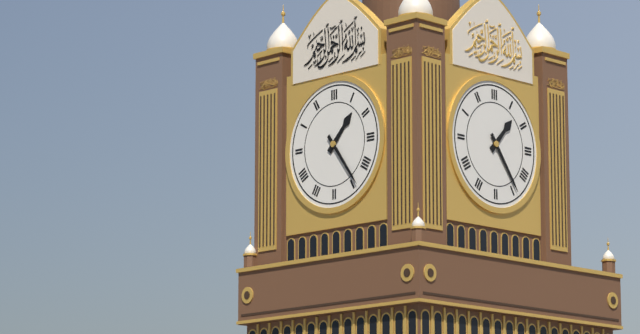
1:24
